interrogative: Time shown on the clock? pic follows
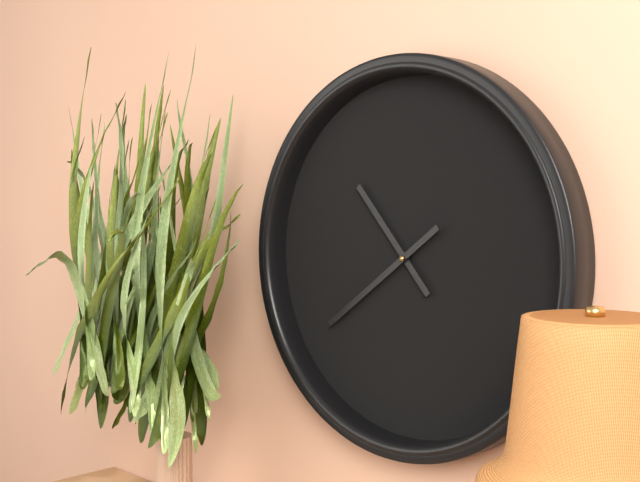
10:39
